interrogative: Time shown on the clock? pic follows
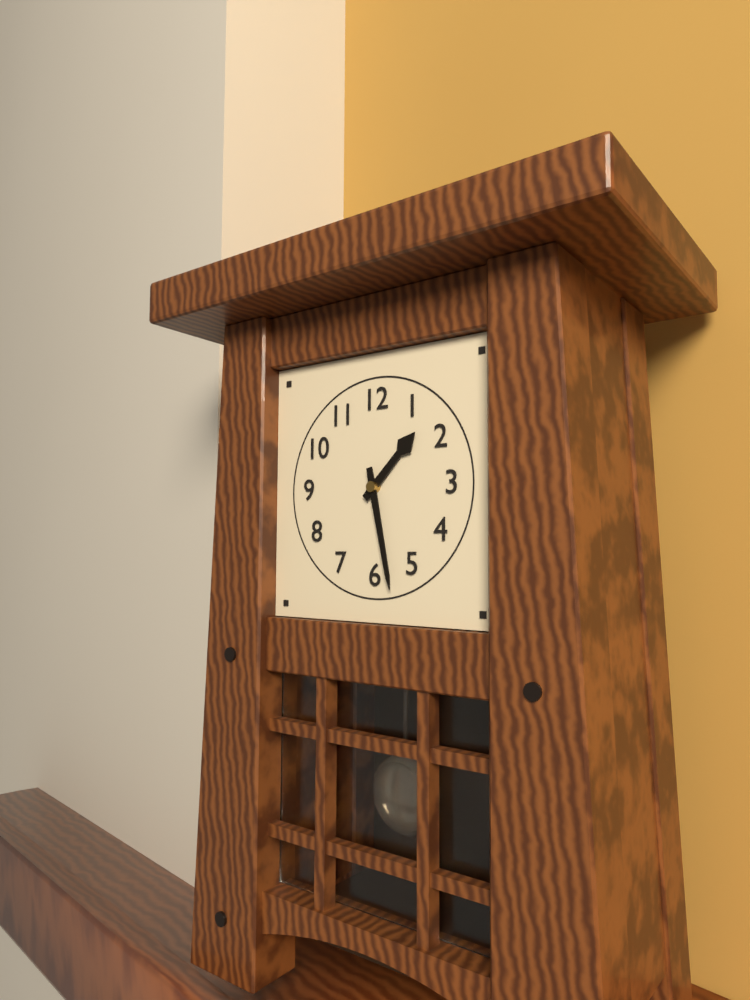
1:28
